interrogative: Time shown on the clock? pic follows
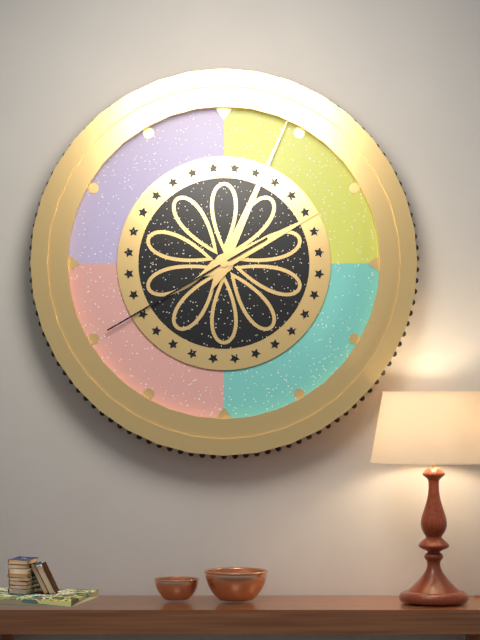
2:04:40
